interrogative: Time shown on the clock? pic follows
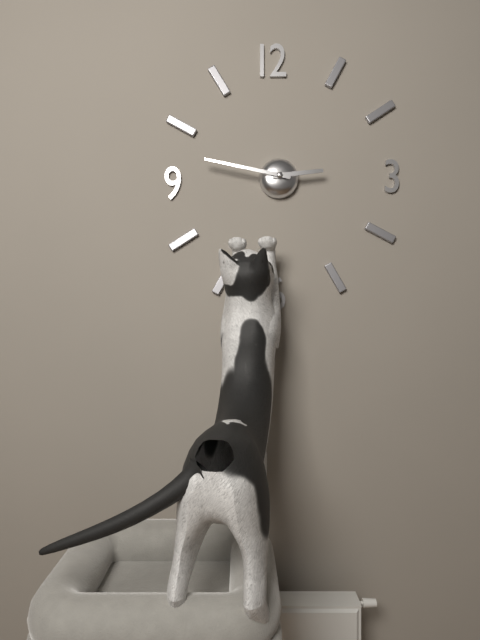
2:47
